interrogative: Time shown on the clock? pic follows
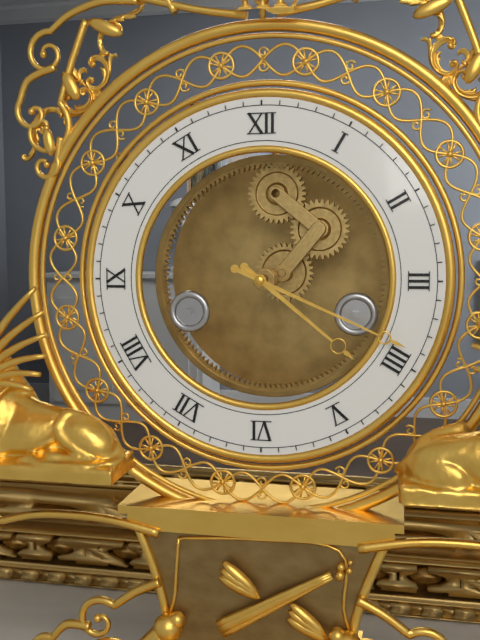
4:19
